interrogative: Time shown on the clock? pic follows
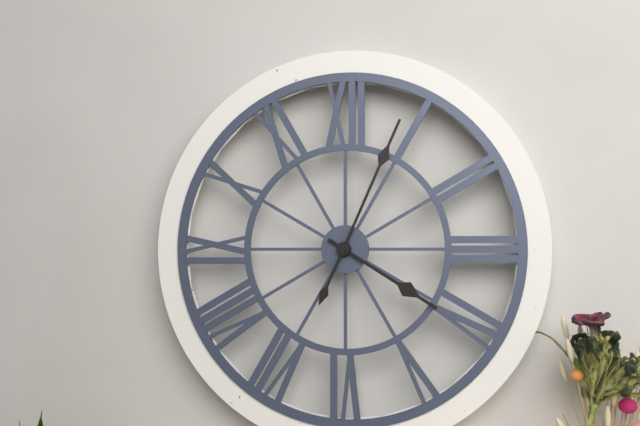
4:04
